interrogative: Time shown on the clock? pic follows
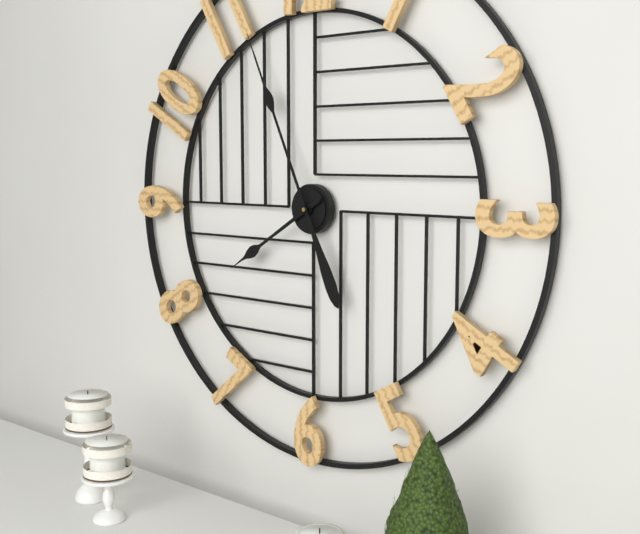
7:56
